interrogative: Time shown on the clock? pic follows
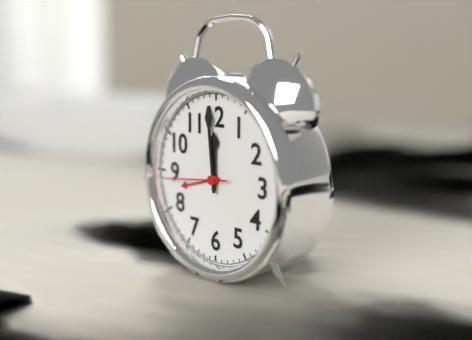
11:59:44
